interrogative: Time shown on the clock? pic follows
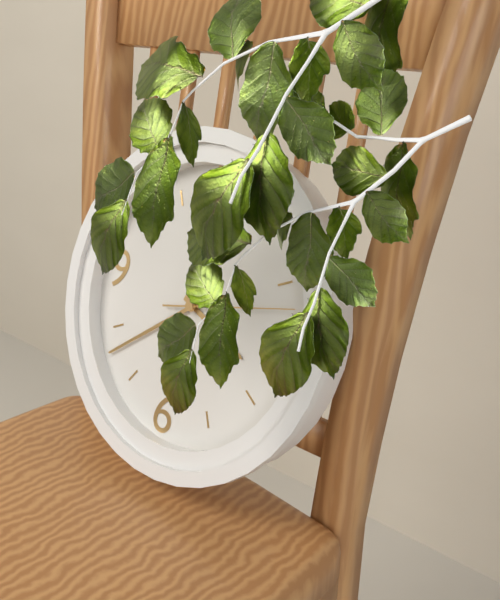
3:38:12
